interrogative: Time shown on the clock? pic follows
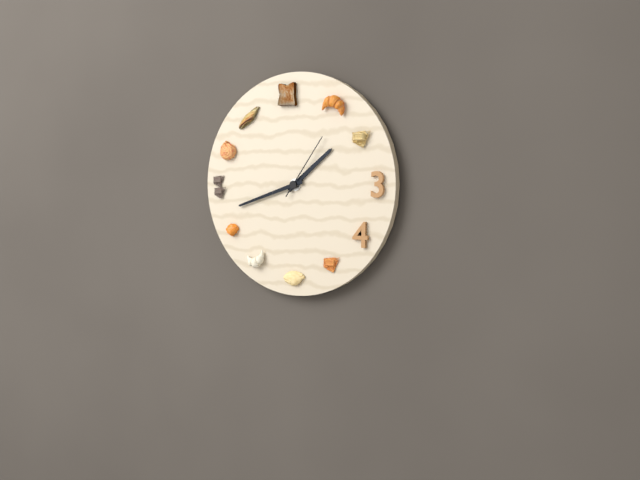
1:42:06
